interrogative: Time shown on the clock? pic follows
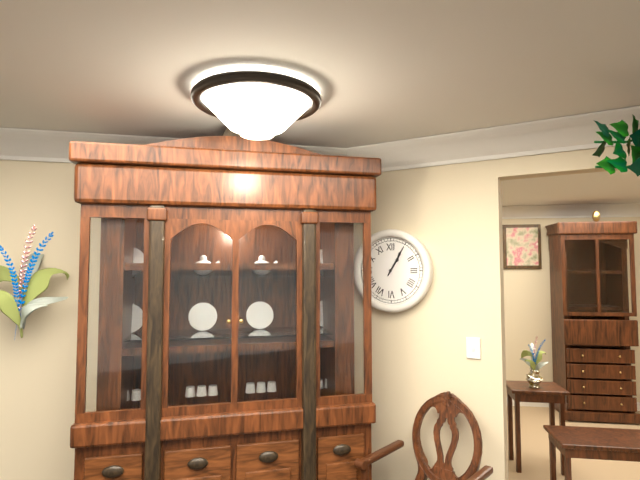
1:05
